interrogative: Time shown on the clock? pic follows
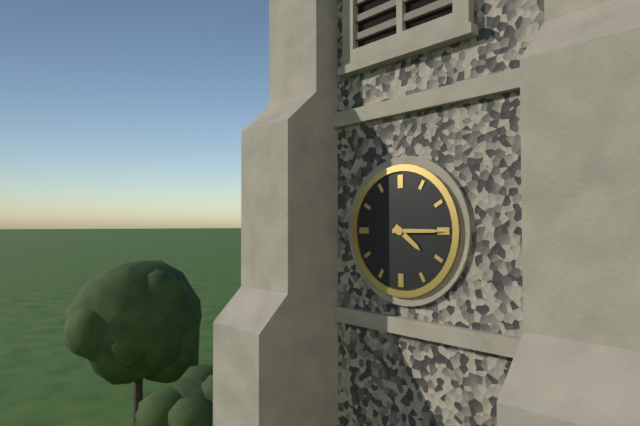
4:15
